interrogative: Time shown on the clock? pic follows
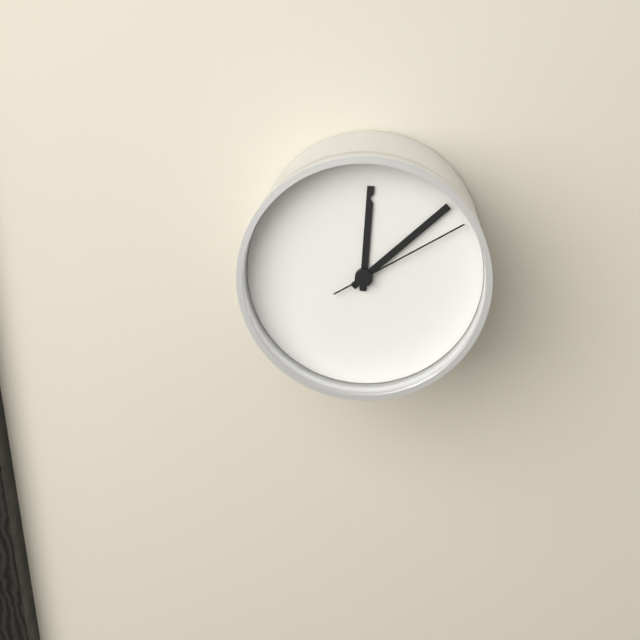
12:08:10
